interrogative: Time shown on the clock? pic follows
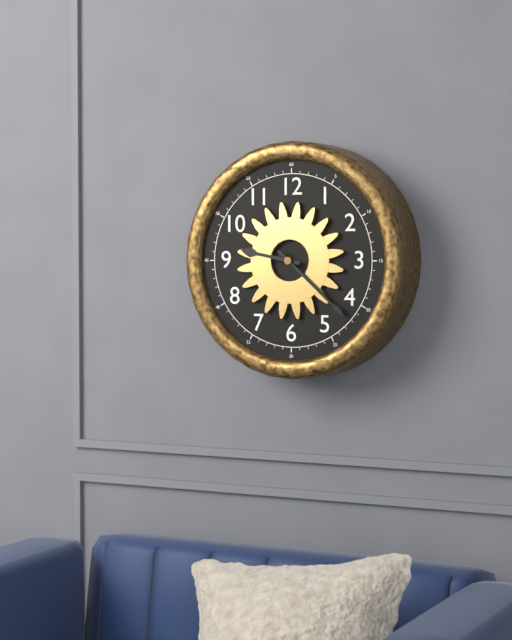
9:22
